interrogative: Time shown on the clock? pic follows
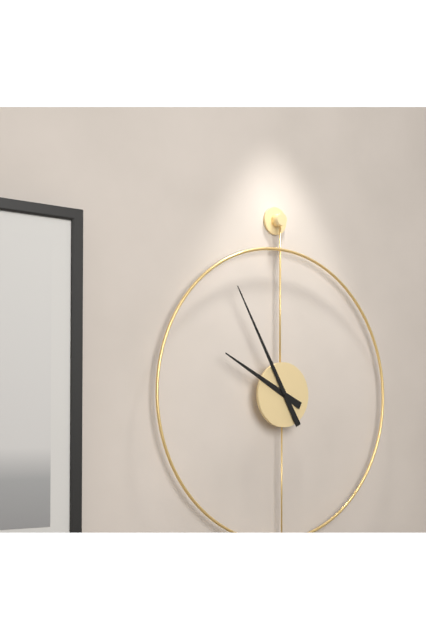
9:55
